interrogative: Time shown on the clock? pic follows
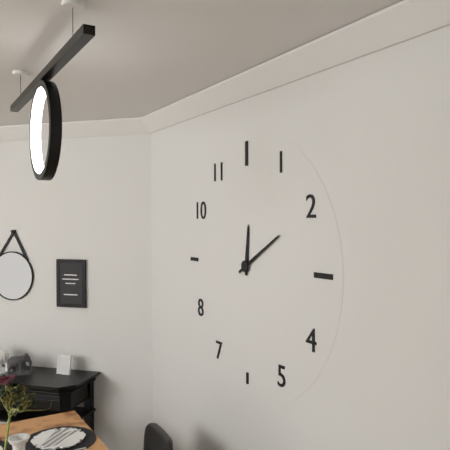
12:10
